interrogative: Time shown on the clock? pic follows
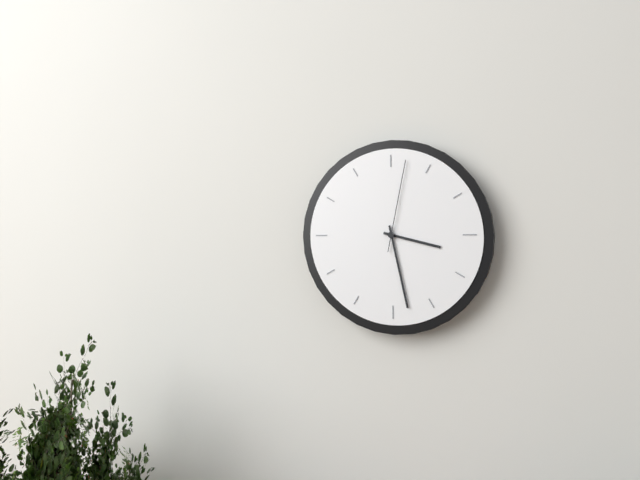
3:28:02
